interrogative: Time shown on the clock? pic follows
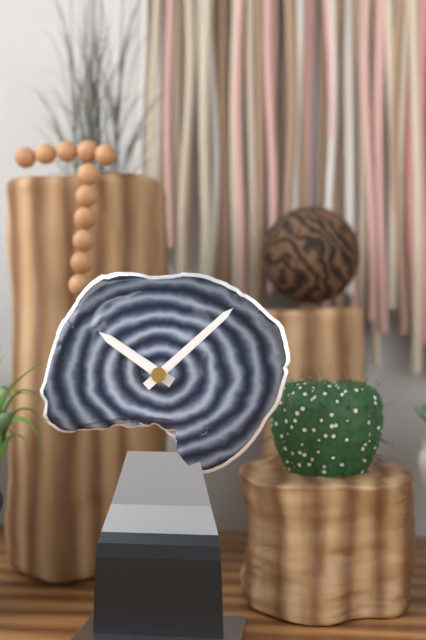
10:08
